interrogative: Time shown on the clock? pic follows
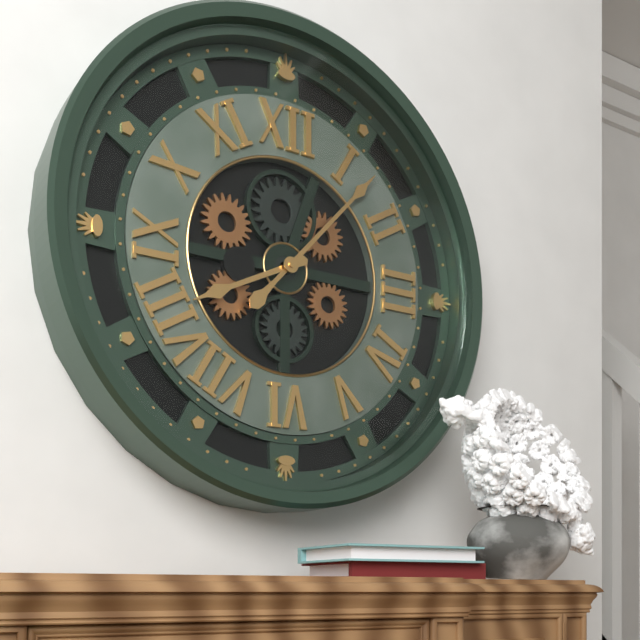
8:07
